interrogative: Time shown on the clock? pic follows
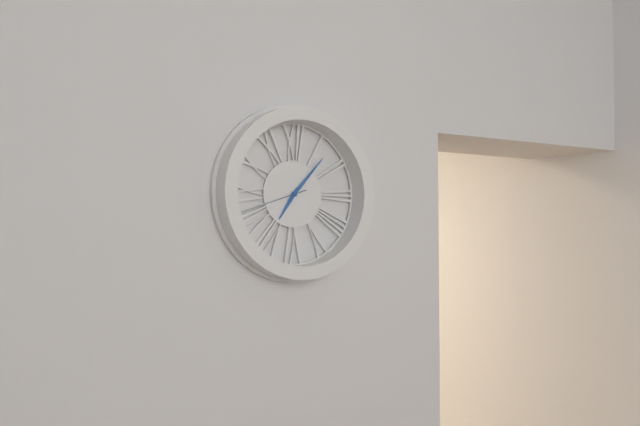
7:07:42
